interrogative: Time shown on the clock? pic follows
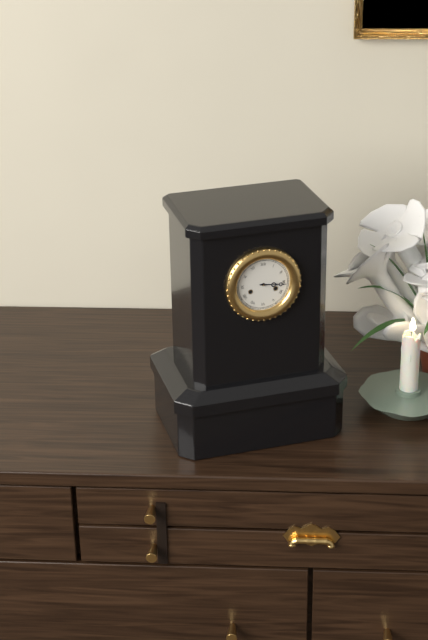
3:16
